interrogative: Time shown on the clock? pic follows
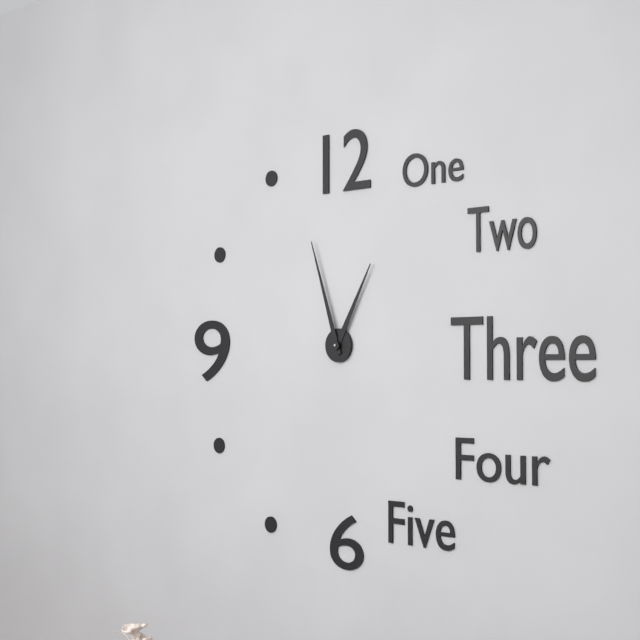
12:57
